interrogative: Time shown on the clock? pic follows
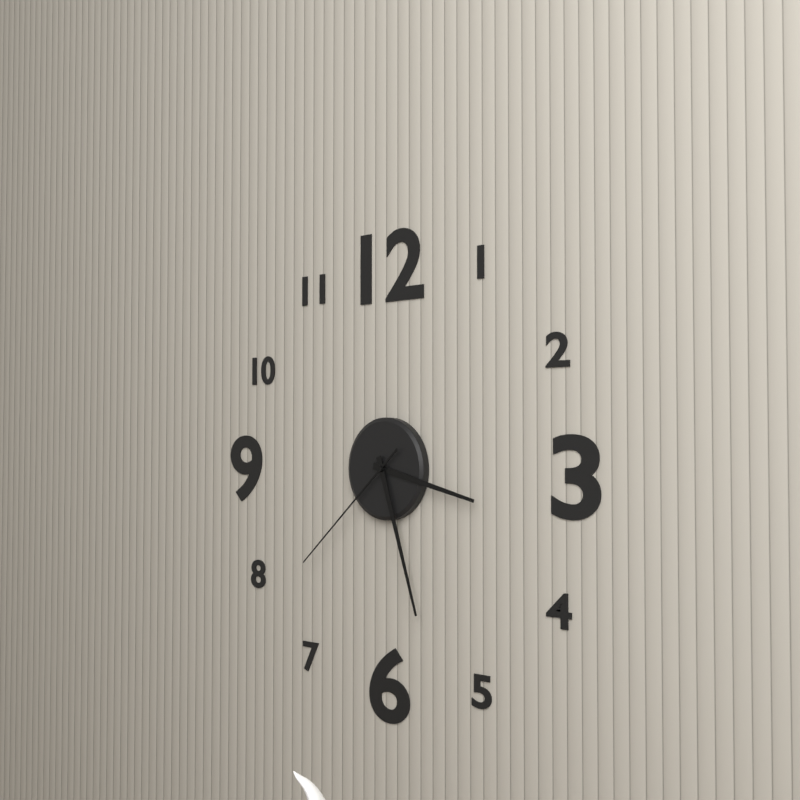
3:27:38
